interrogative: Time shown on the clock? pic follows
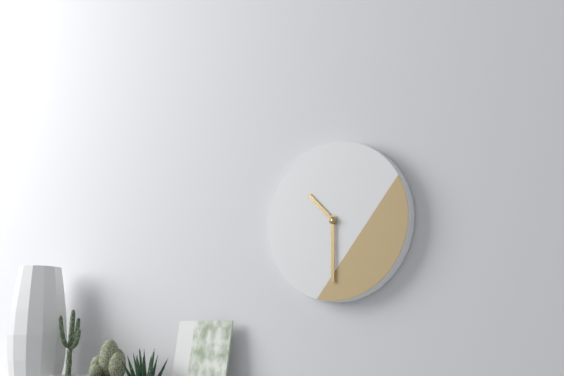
10:30
